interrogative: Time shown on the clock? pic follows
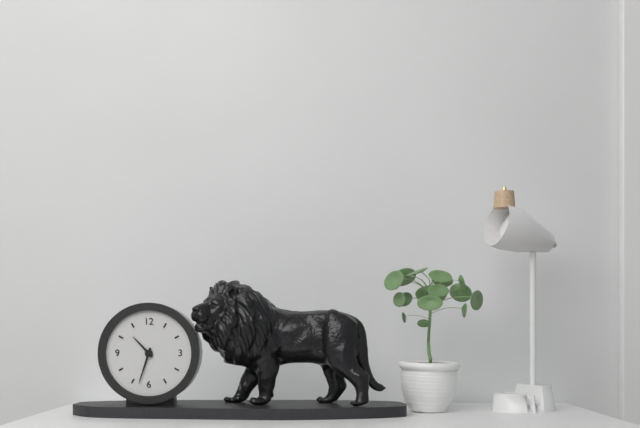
10:33
